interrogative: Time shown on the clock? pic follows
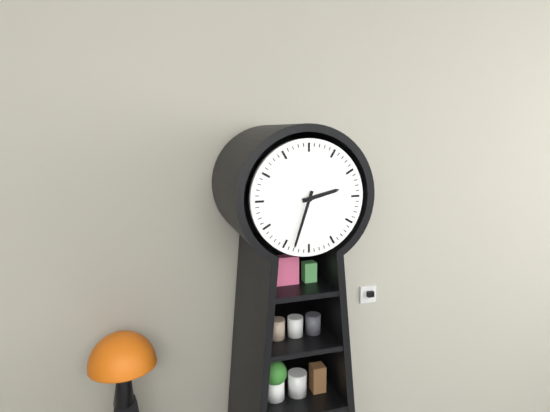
2:33
